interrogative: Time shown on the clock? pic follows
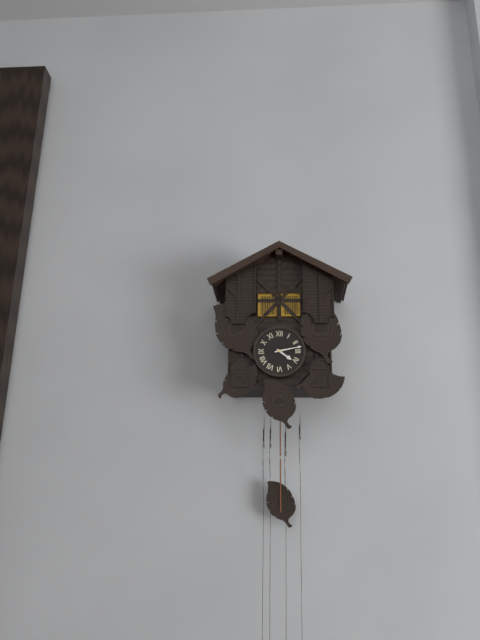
4:13
